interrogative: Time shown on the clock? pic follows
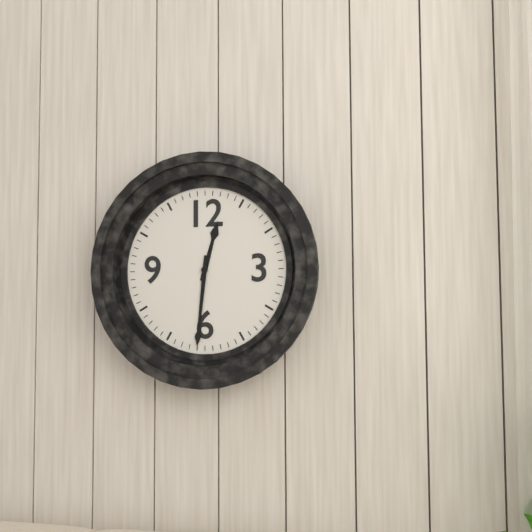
12:31
